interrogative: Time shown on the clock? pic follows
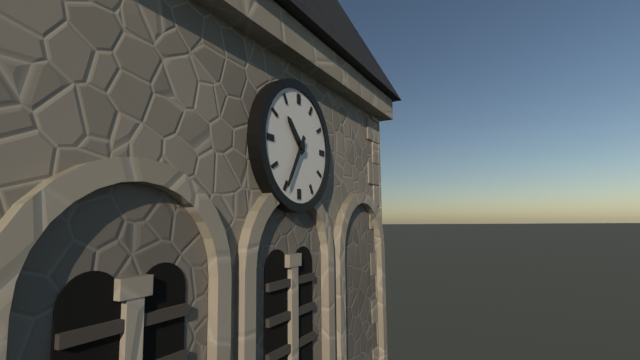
10:35
